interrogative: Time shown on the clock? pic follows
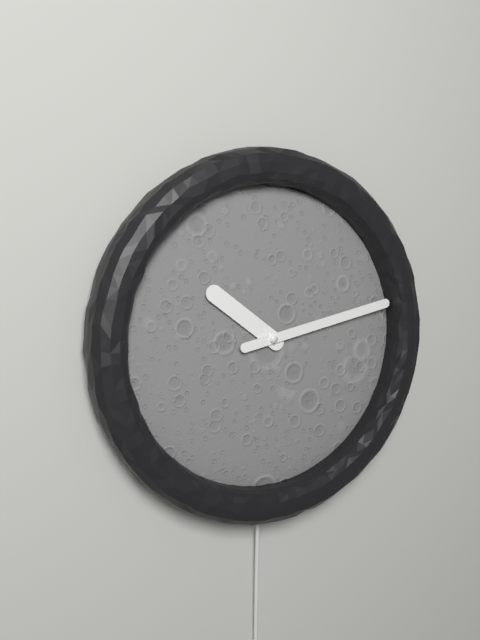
10:13
